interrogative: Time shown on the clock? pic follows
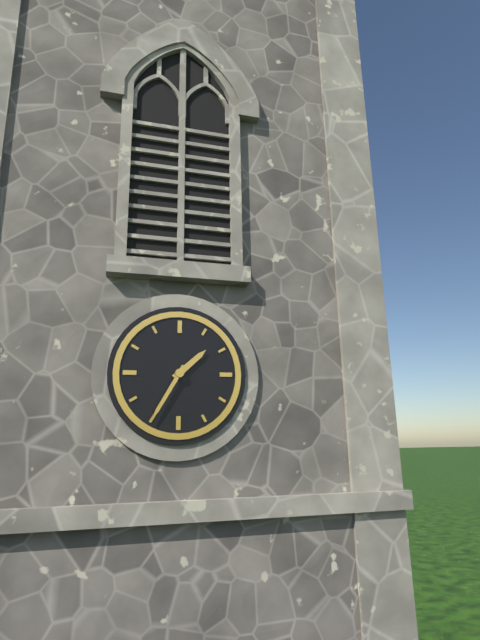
1:35
